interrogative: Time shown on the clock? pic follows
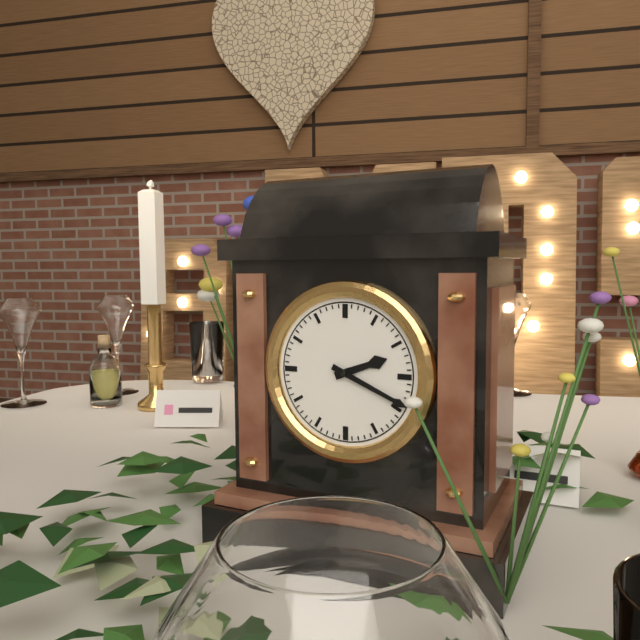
2:19
